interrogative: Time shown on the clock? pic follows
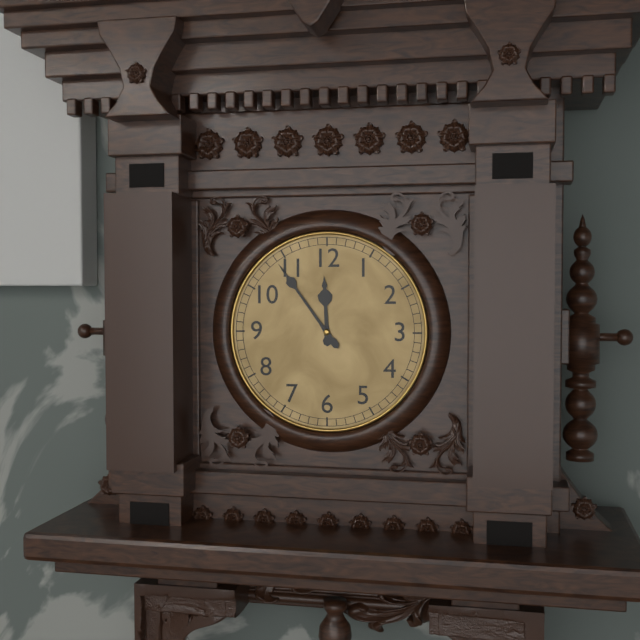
11:54
